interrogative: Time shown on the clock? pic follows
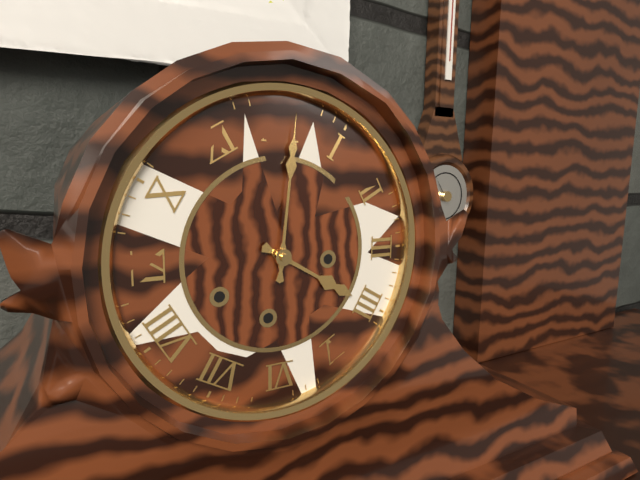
4:01
